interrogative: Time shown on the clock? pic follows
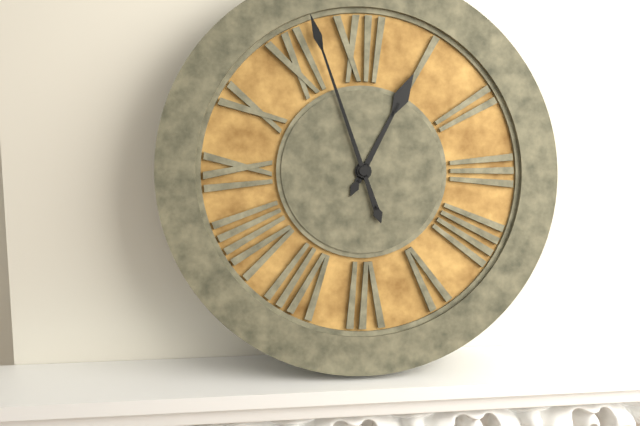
12:57
